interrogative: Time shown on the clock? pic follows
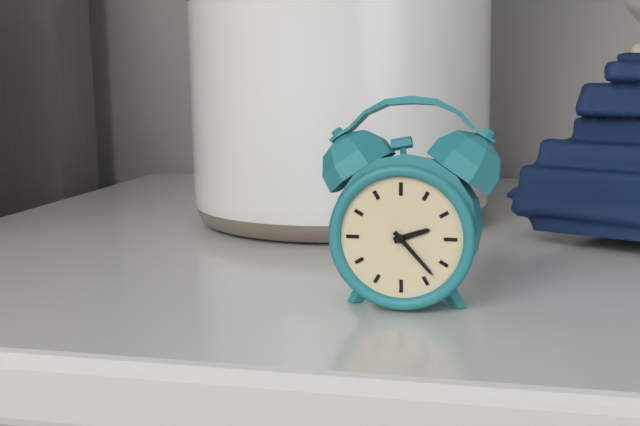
2:23
